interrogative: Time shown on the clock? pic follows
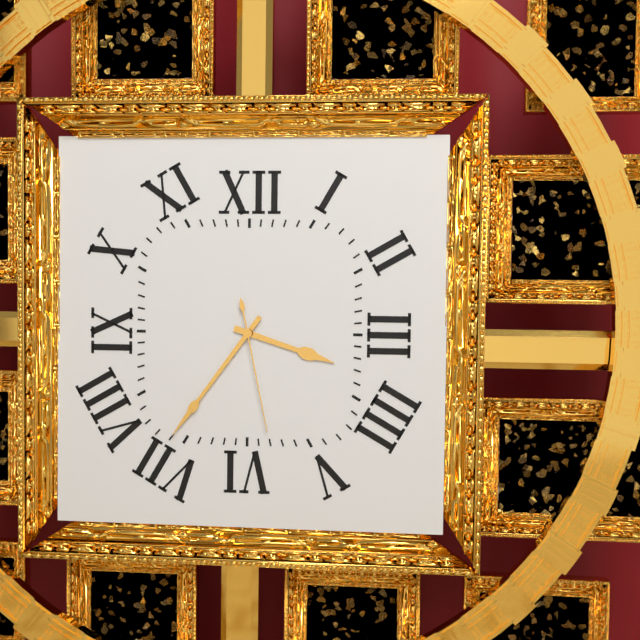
3:36:28
